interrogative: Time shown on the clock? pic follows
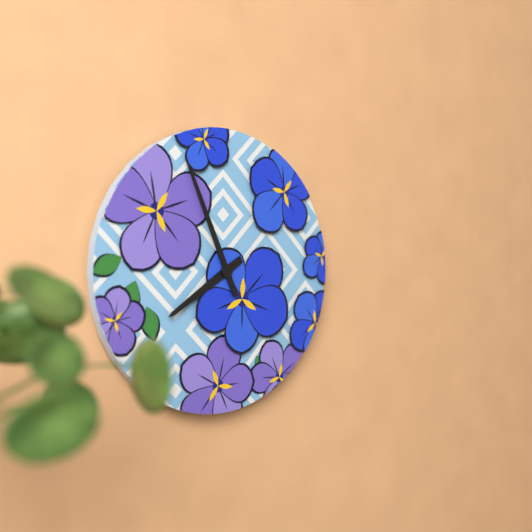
7:56
